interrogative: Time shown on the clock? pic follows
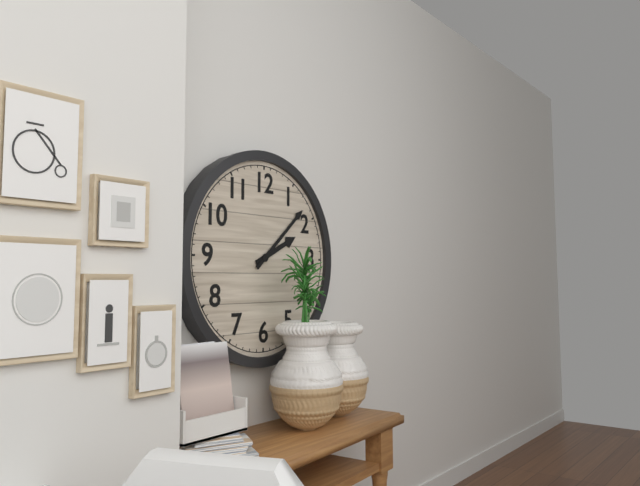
2:08
